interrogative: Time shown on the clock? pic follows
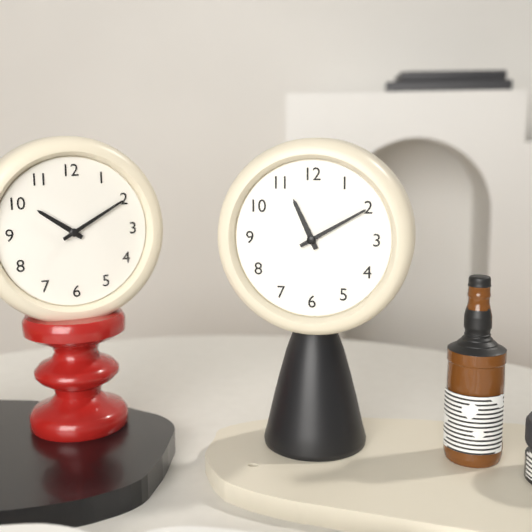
11:10
